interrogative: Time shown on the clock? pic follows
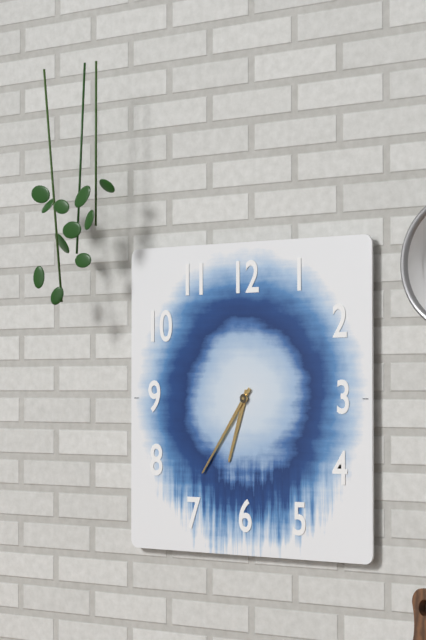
6:36
